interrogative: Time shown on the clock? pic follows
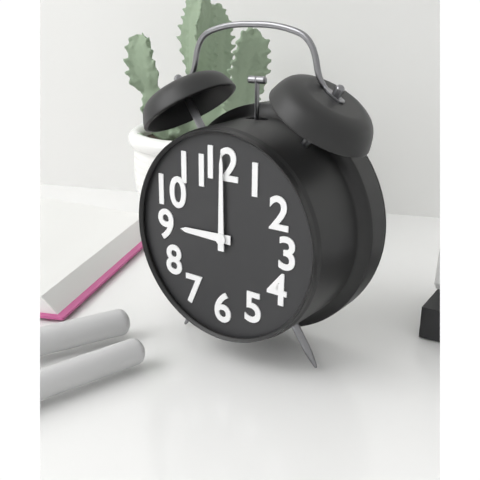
9:00
